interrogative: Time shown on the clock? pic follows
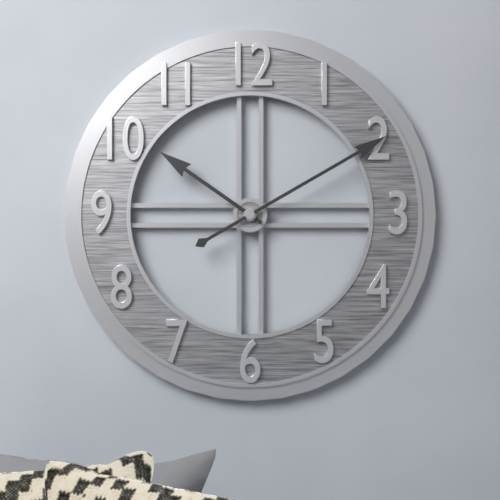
10:10
